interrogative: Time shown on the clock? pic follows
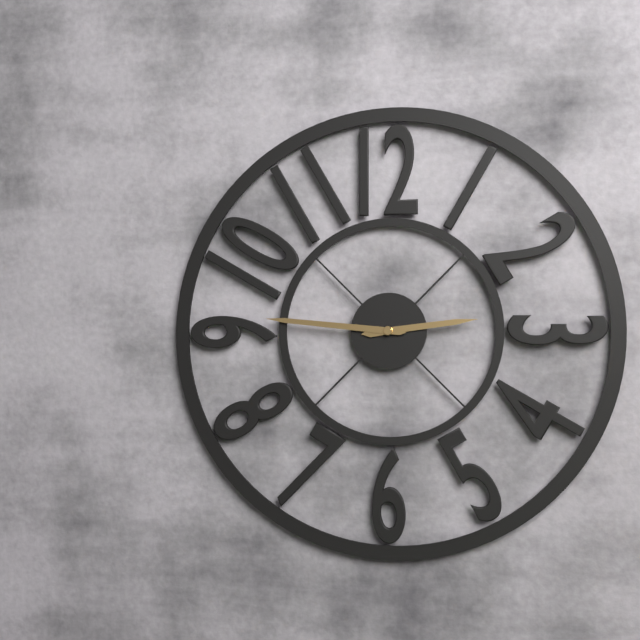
2:46
